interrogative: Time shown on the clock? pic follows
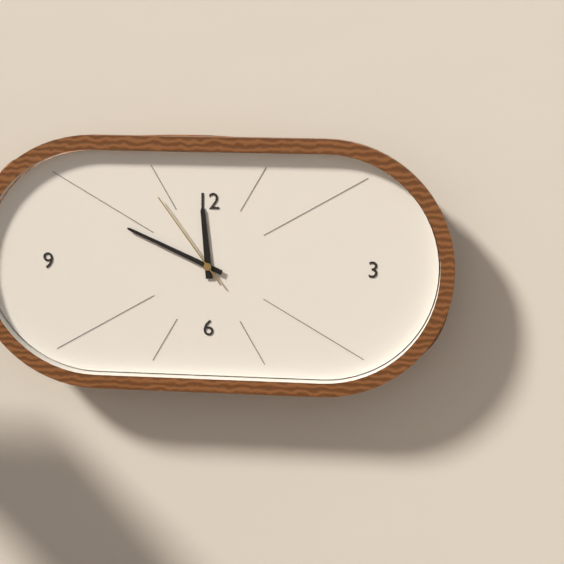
11:49:54
